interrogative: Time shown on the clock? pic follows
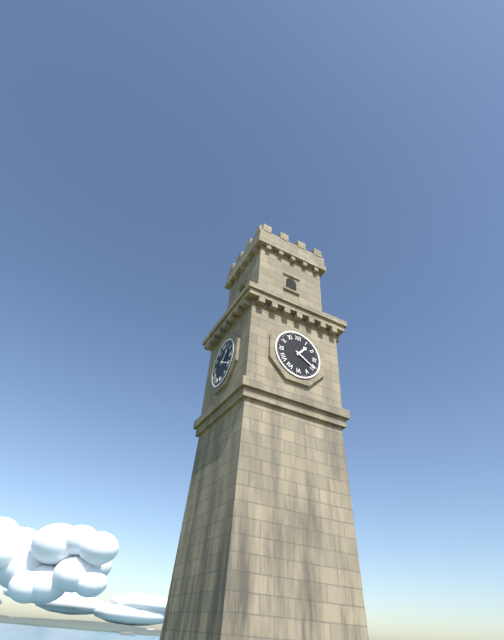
1:20
